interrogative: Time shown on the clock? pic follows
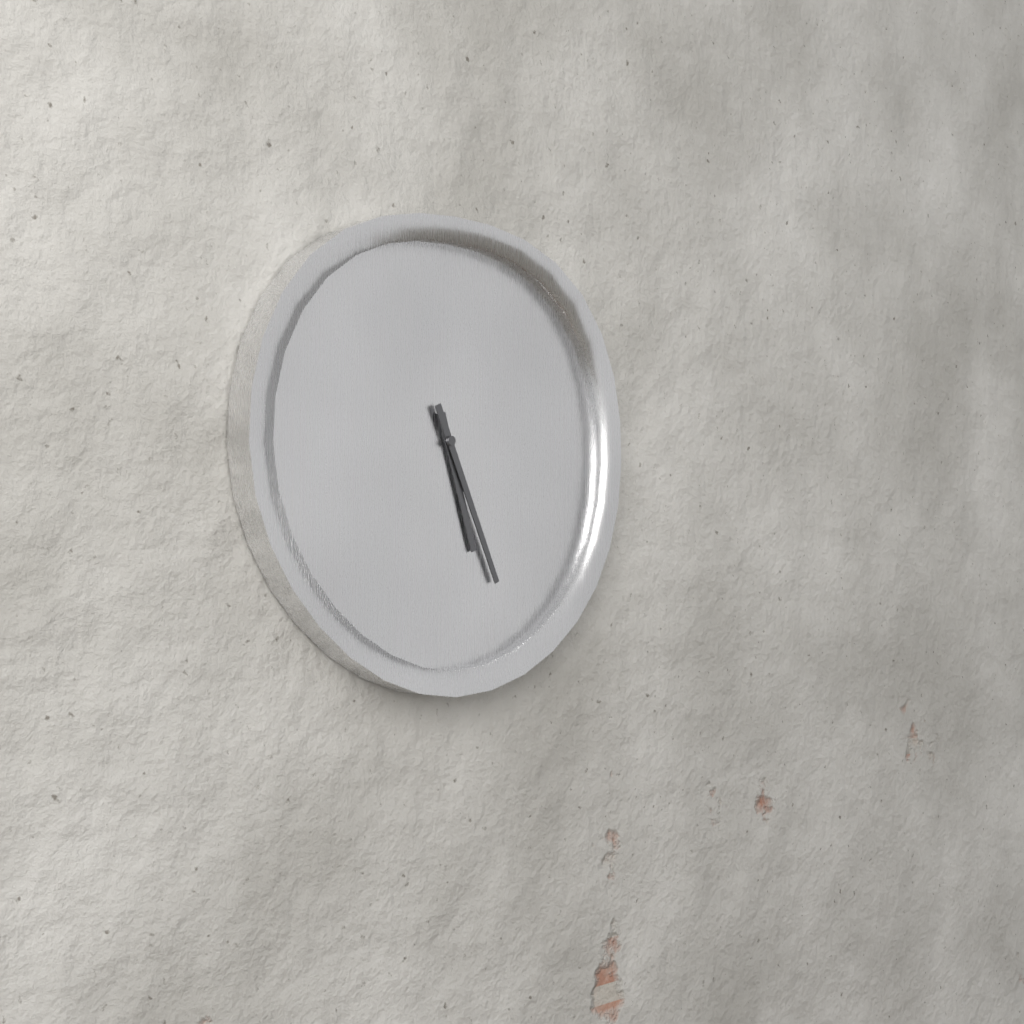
5:26
